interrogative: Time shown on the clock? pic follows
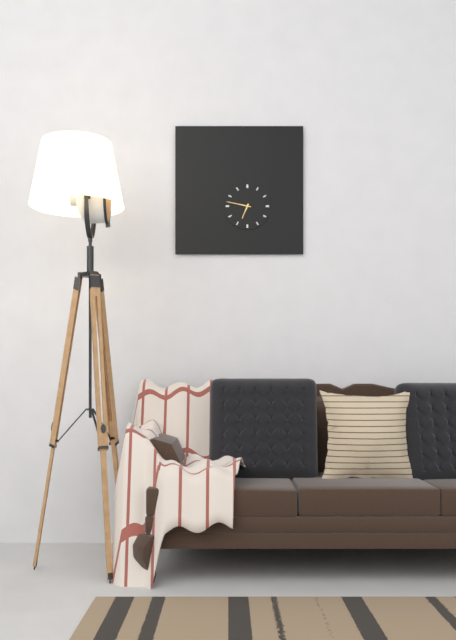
6:47
